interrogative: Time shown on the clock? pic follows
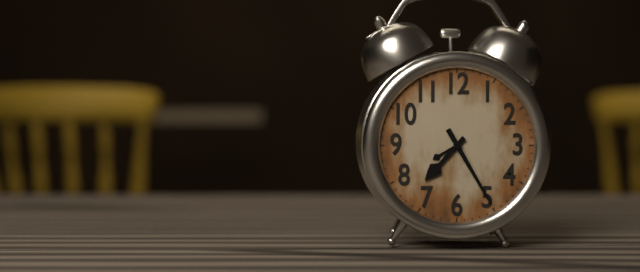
7:25
